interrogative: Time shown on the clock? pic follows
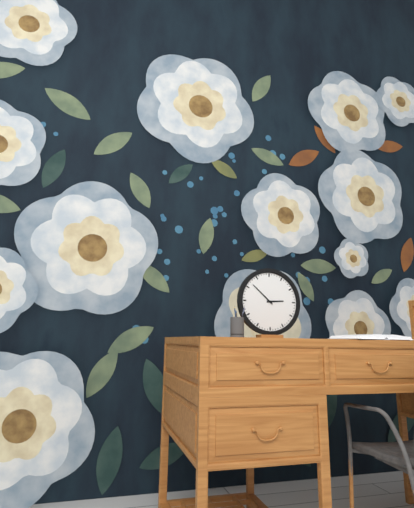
2:52
